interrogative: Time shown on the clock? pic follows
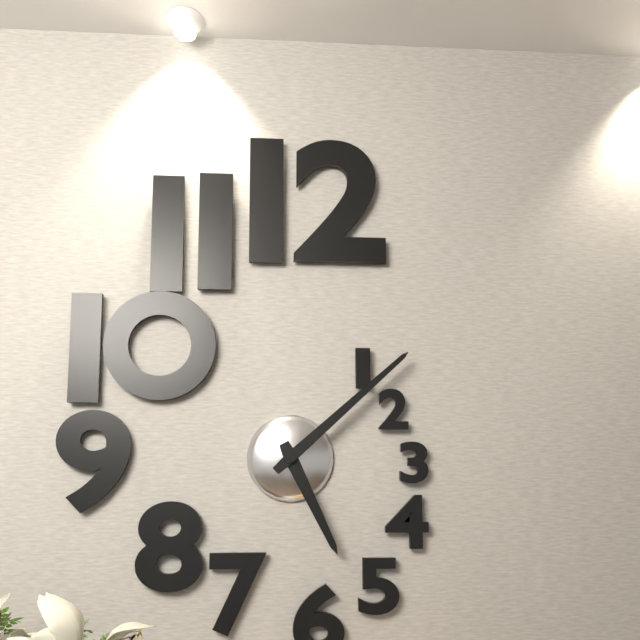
5:08
